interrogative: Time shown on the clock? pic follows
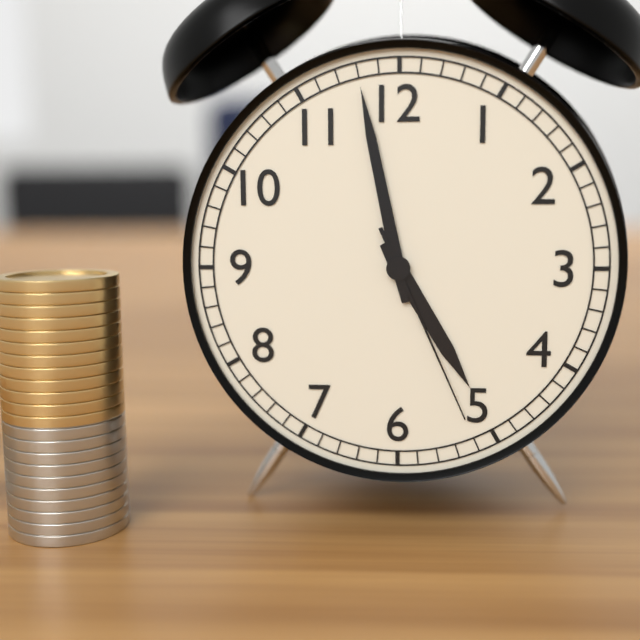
4:58:26
